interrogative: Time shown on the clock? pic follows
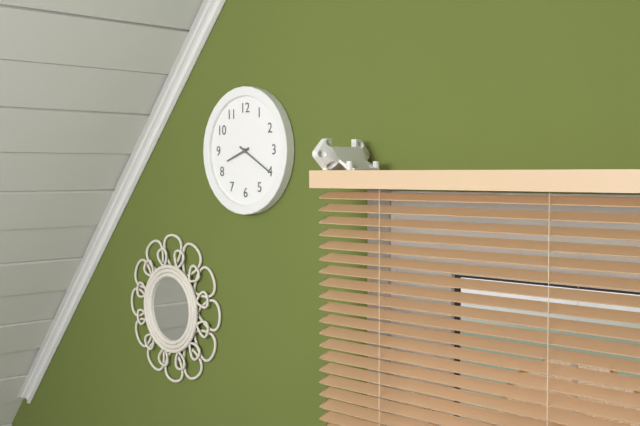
8:20
